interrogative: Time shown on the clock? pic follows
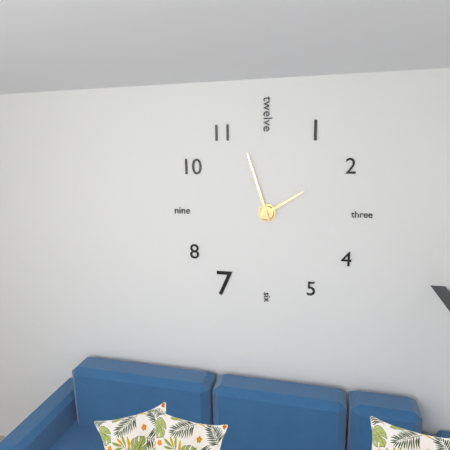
1:57
